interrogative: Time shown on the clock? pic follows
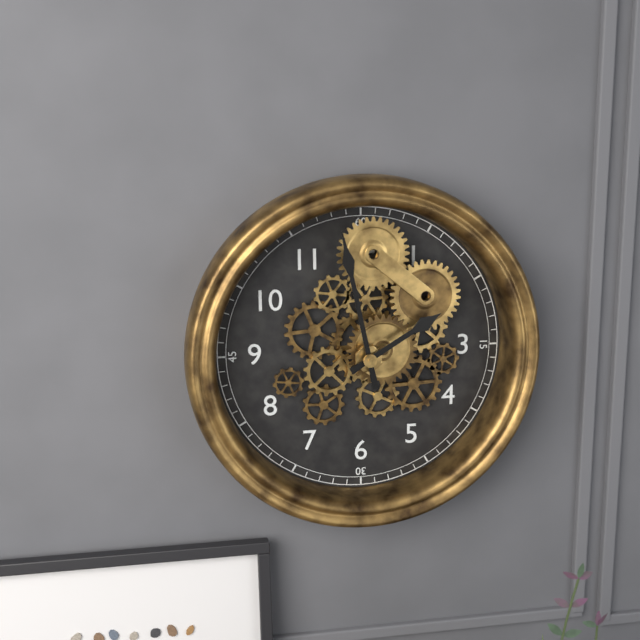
1:58
